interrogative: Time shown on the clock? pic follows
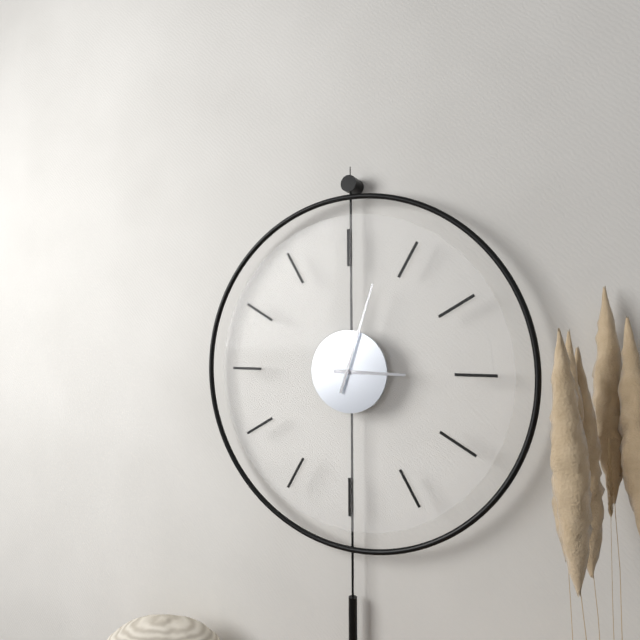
3:03
